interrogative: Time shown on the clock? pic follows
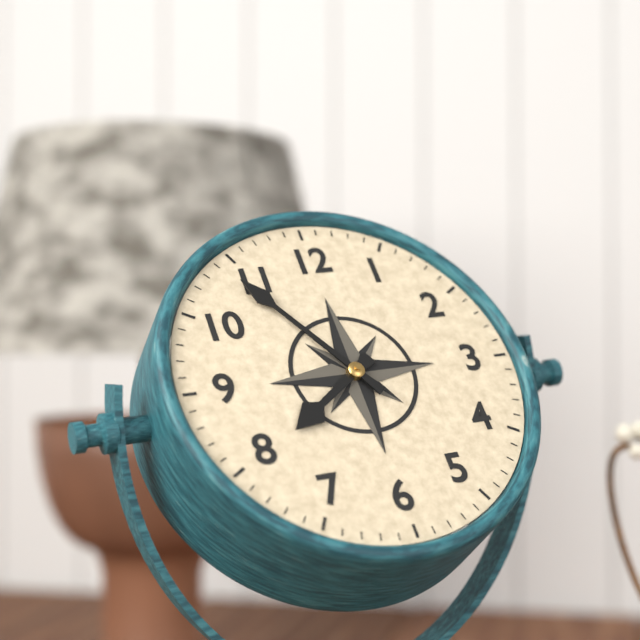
7:54
